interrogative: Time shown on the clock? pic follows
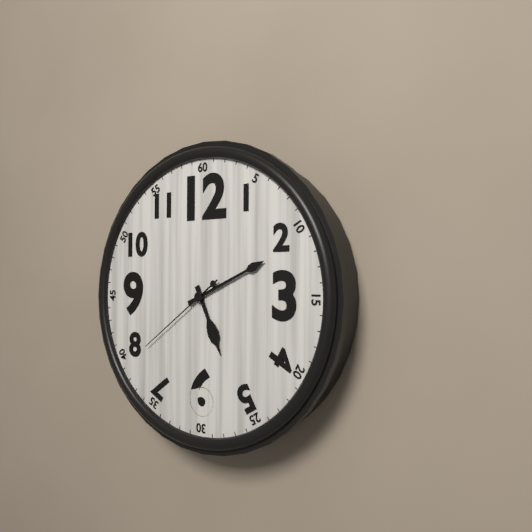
5:11:39
